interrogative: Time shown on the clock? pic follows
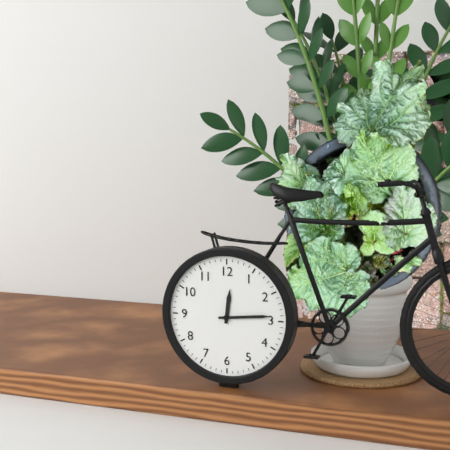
12:14
